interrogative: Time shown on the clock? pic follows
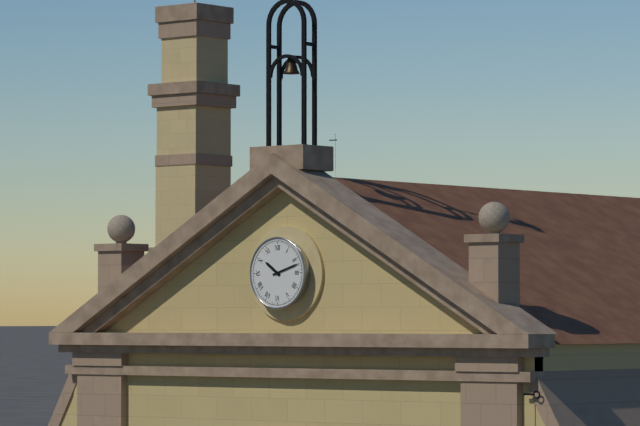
10:12
